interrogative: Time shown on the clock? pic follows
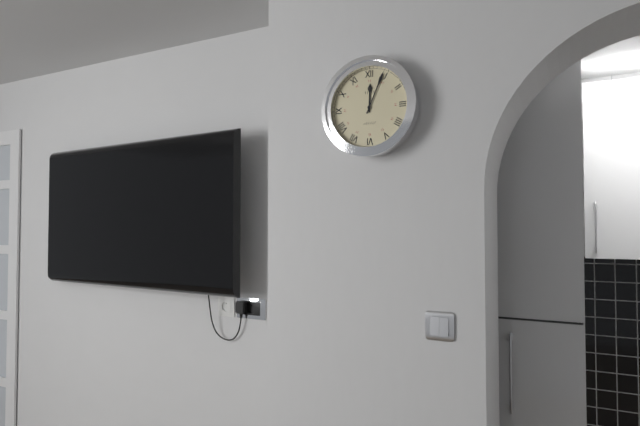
12:04
